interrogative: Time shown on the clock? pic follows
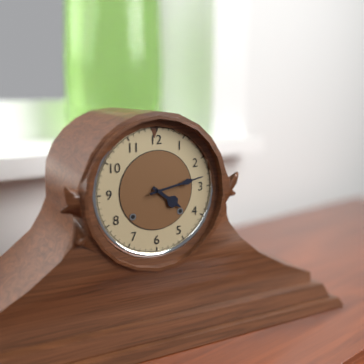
4:13
